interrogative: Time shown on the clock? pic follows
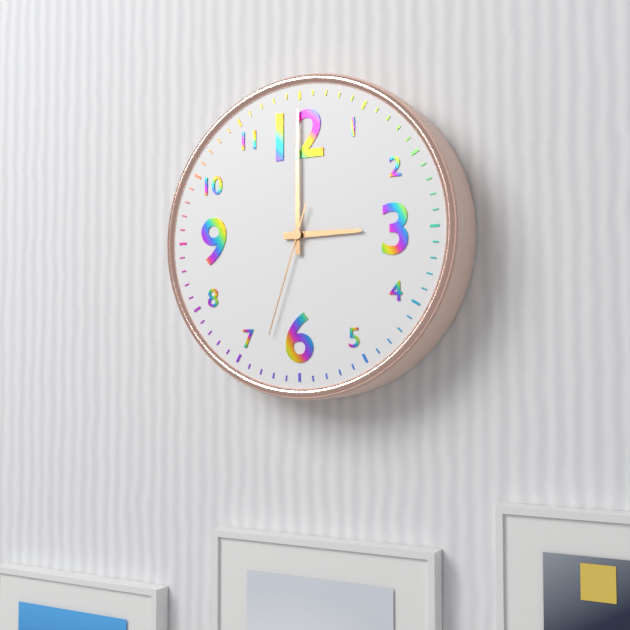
3:00:33
